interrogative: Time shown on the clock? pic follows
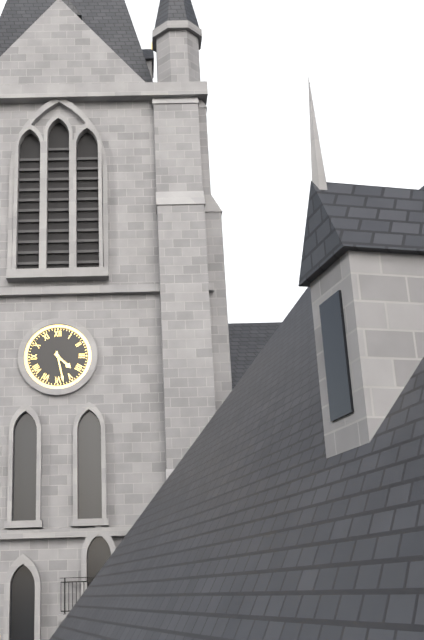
4:28
